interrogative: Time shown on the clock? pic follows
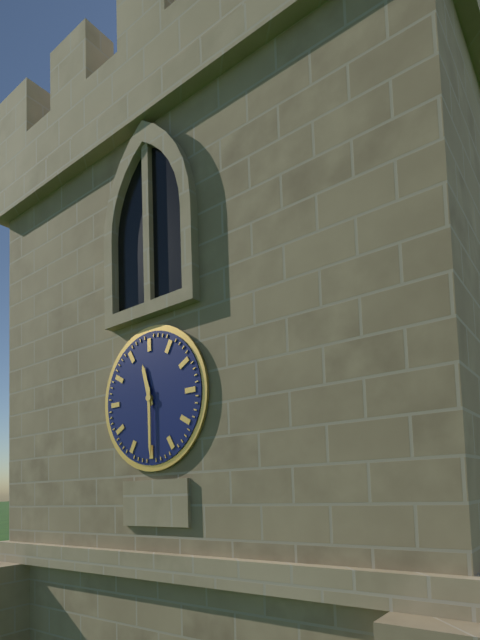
11:30
